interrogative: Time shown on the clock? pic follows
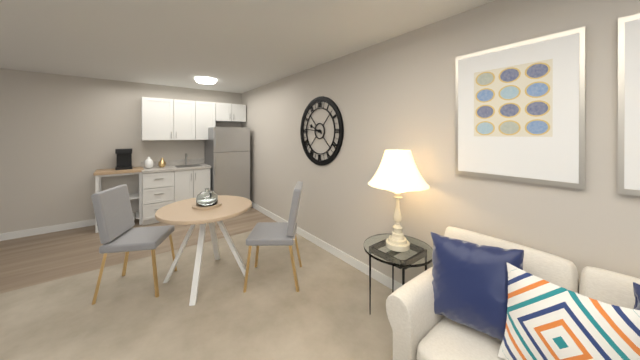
9:46
